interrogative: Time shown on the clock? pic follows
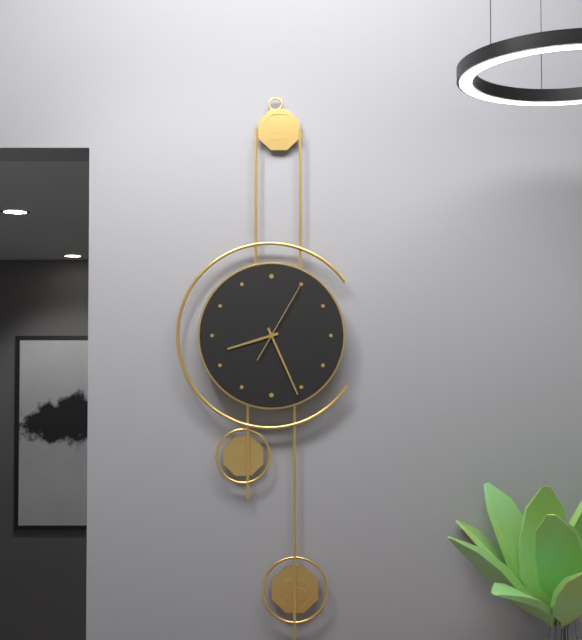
8:26:05
